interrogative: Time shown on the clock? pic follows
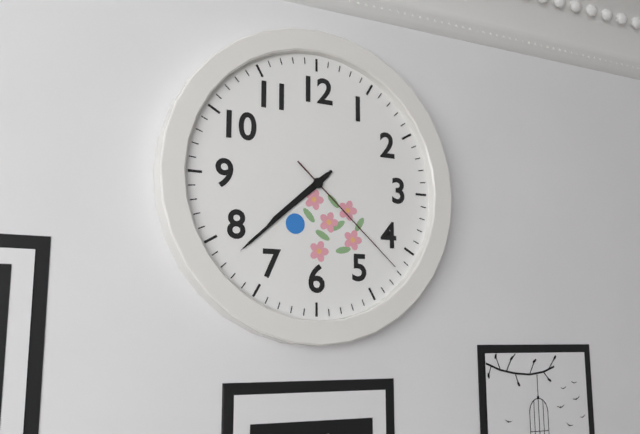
7:38:22
